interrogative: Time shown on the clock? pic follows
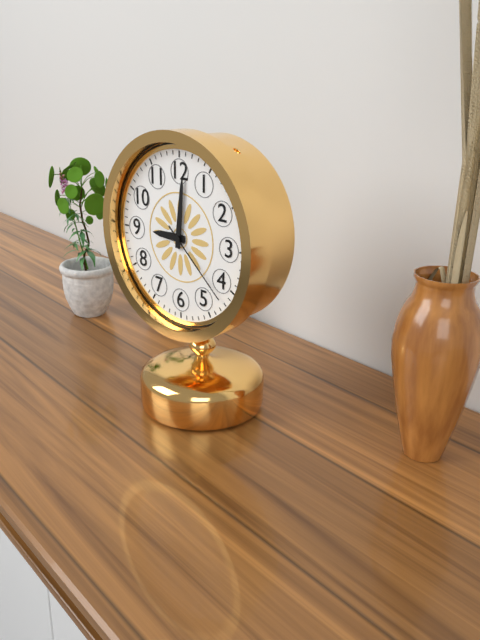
9:01:22
